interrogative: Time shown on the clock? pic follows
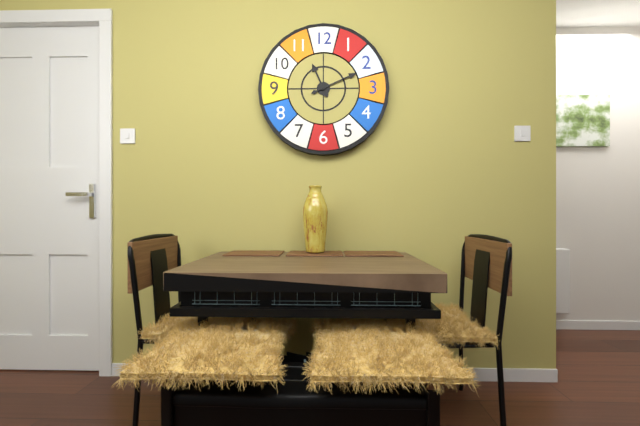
11:11
